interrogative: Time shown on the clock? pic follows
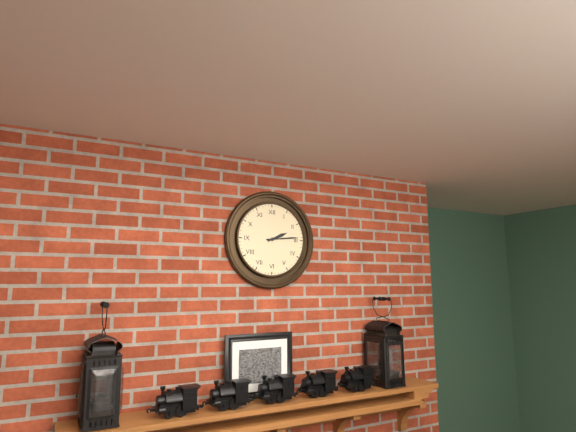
2:14
